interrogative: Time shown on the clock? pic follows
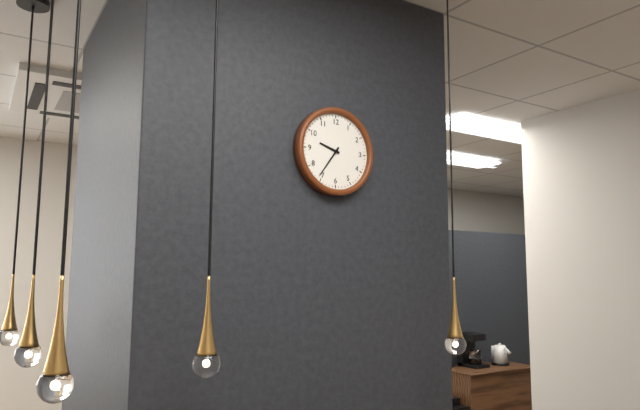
9:36
